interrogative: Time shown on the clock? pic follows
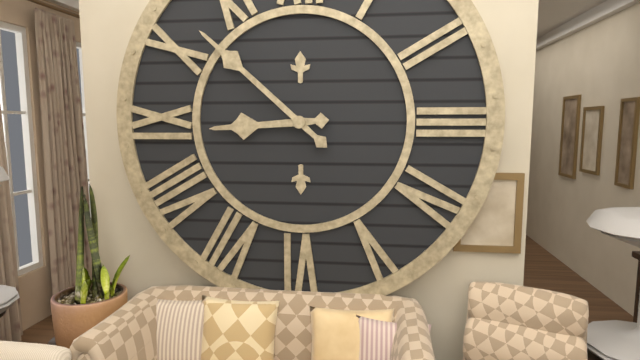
8:52
